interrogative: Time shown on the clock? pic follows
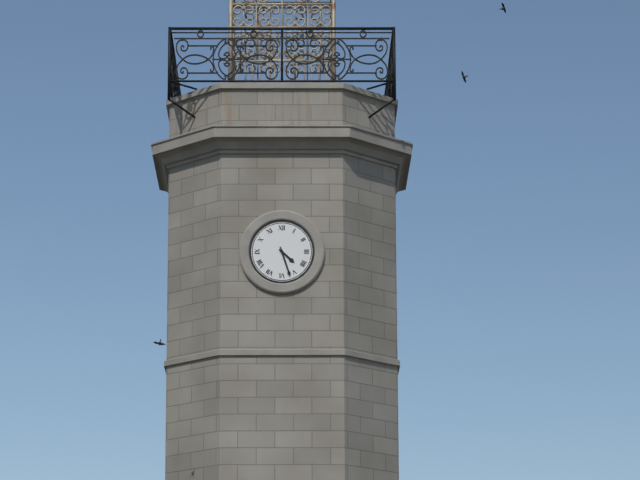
4:27
